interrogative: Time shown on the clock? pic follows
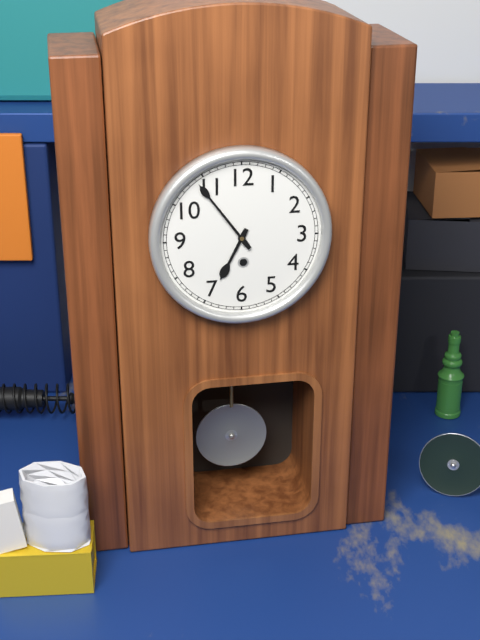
6:54
